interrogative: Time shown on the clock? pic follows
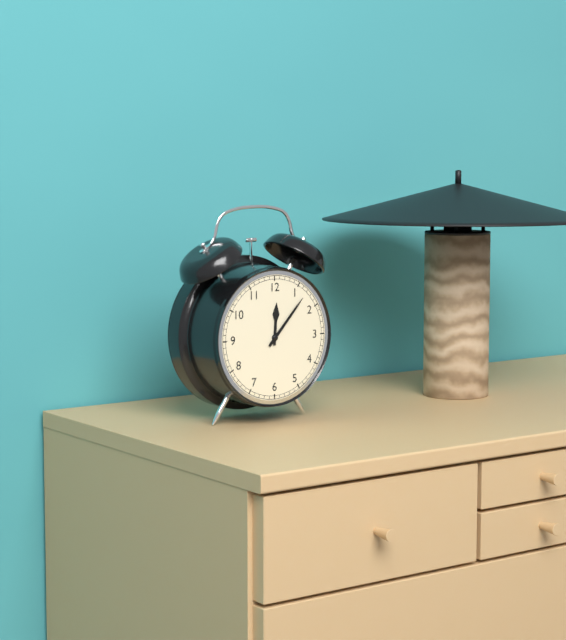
12:07
